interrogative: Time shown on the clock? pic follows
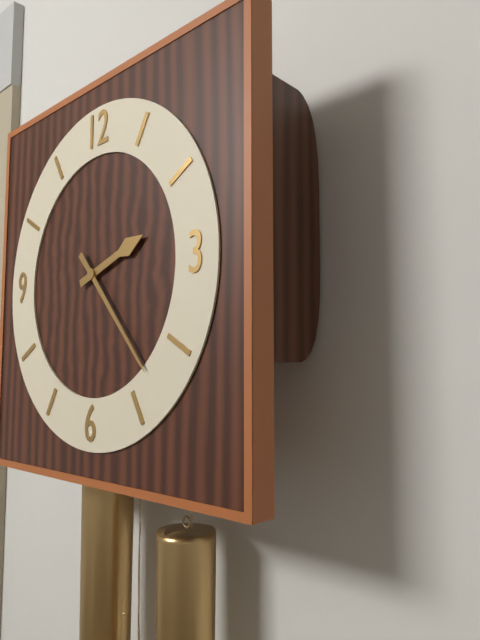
2:23
